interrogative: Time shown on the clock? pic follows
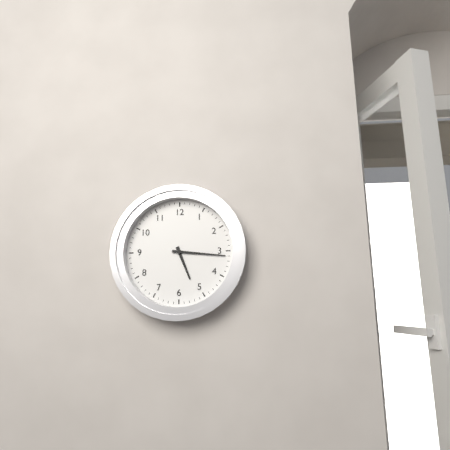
5:16
